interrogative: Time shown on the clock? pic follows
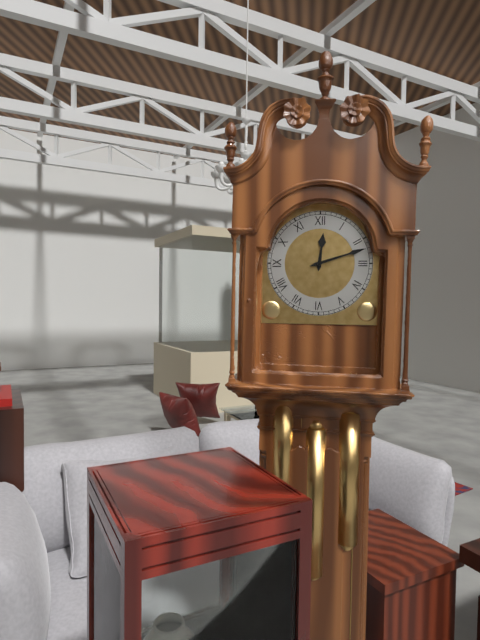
12:12
